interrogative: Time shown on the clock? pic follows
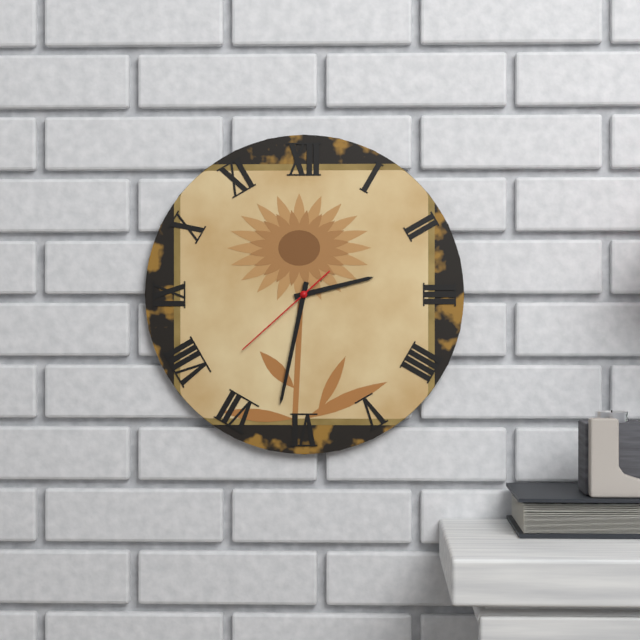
2:32:38
